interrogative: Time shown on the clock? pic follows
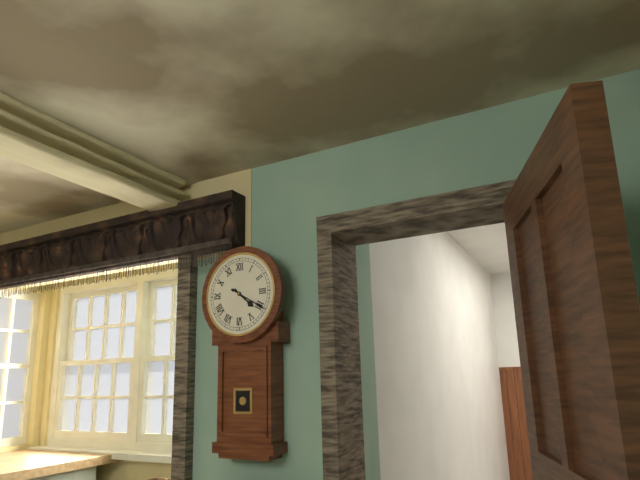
4:20
